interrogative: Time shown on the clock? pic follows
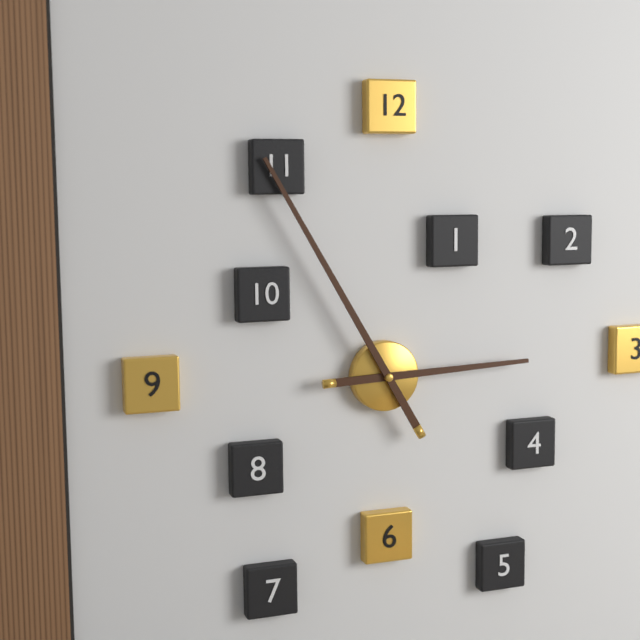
2:55
